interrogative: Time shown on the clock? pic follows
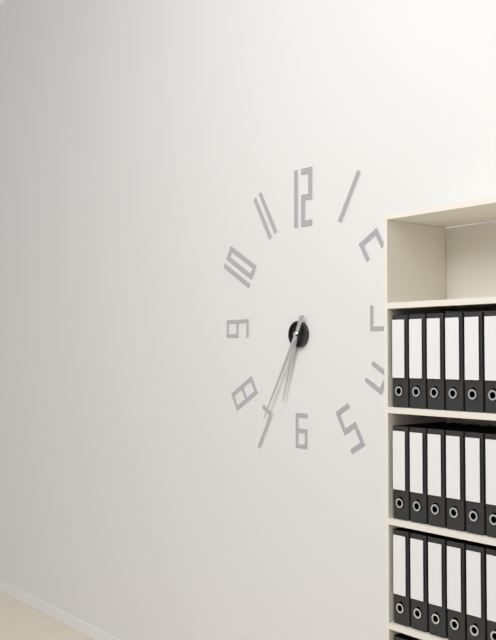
6:35
